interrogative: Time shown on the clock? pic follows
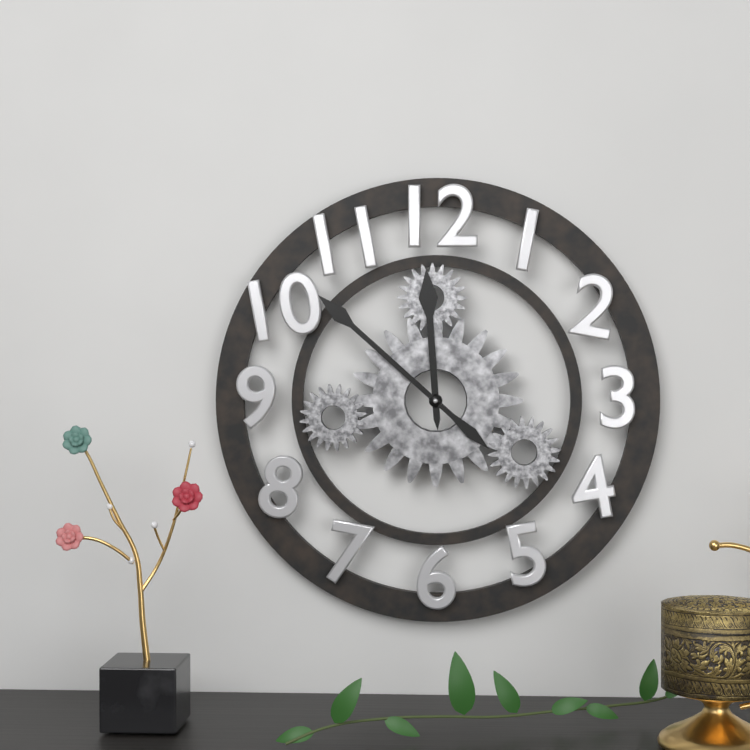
11:52
